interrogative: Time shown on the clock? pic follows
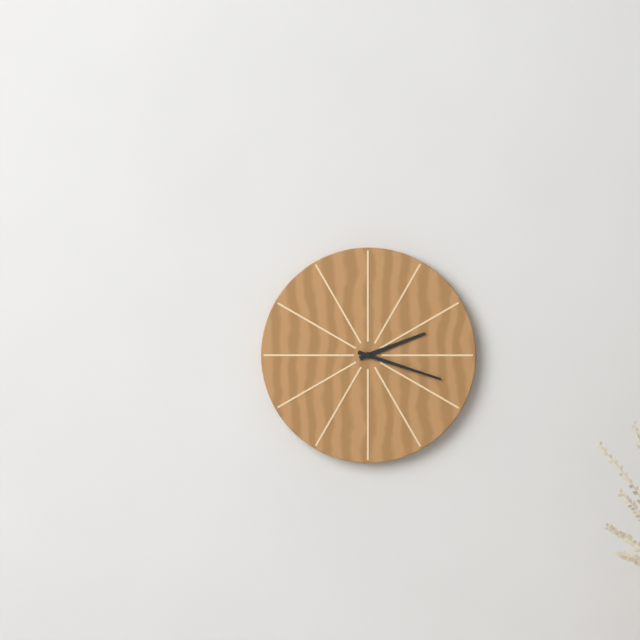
2:18
